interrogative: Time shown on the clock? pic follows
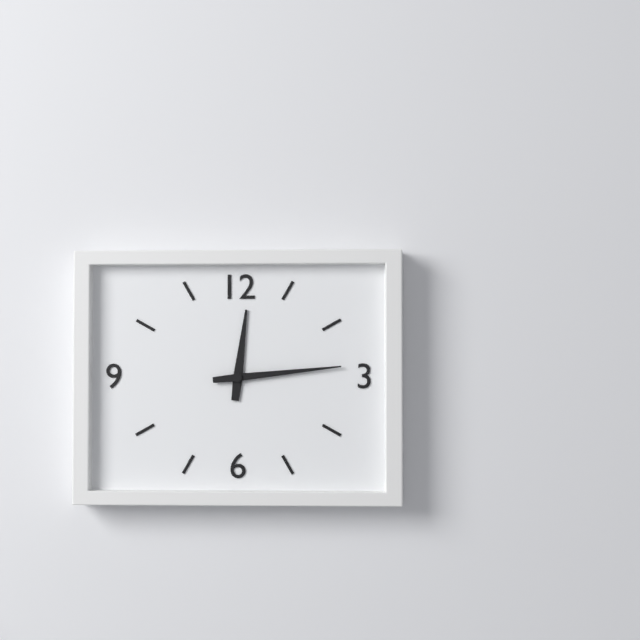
12:14
